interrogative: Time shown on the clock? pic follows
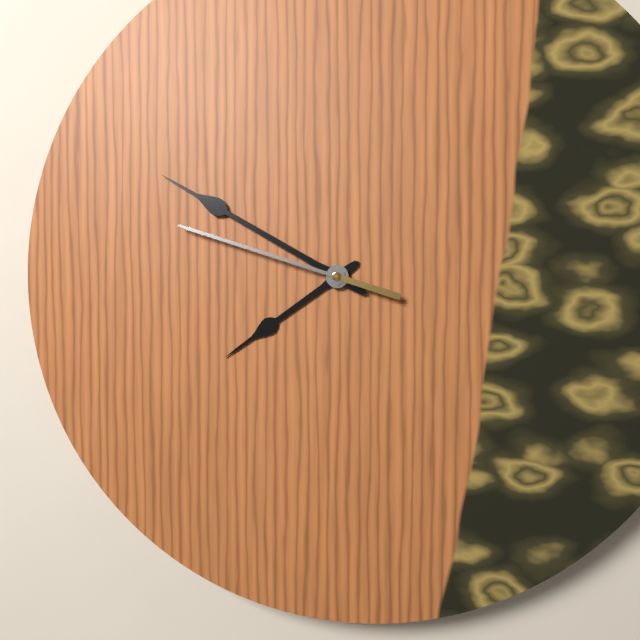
7:50:48
